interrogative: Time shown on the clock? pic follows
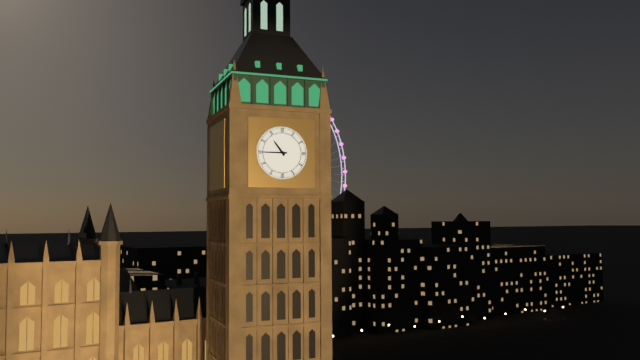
10:45
